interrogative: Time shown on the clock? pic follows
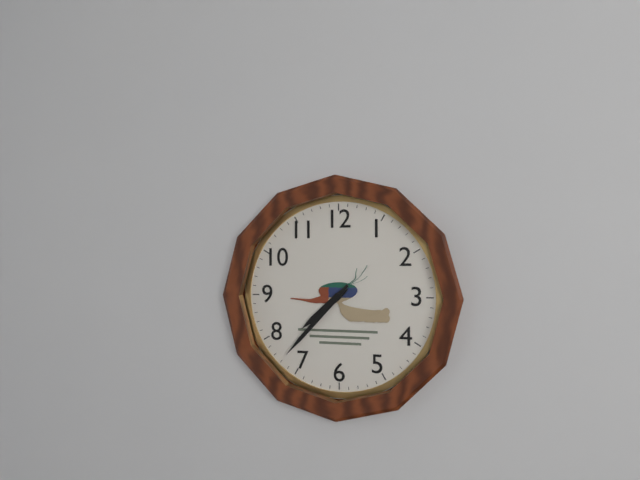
7:37
